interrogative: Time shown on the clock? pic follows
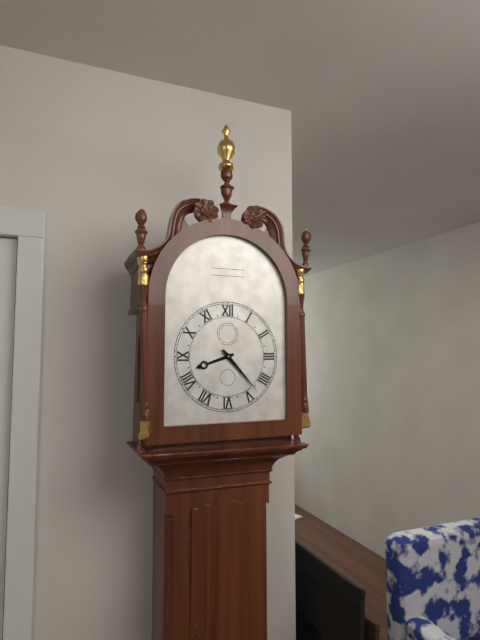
8:23
